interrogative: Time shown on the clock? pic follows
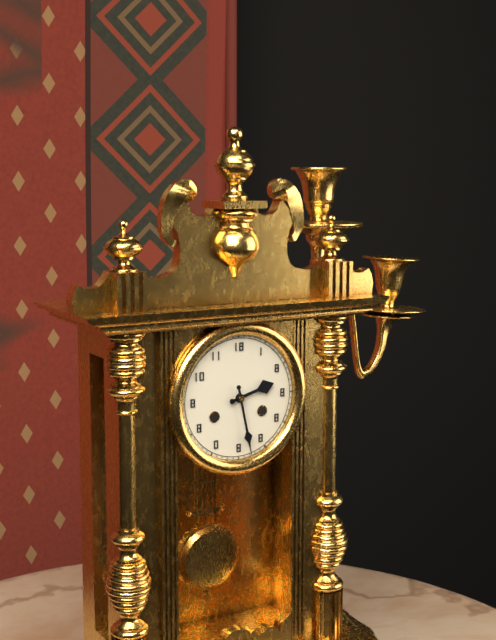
2:28
